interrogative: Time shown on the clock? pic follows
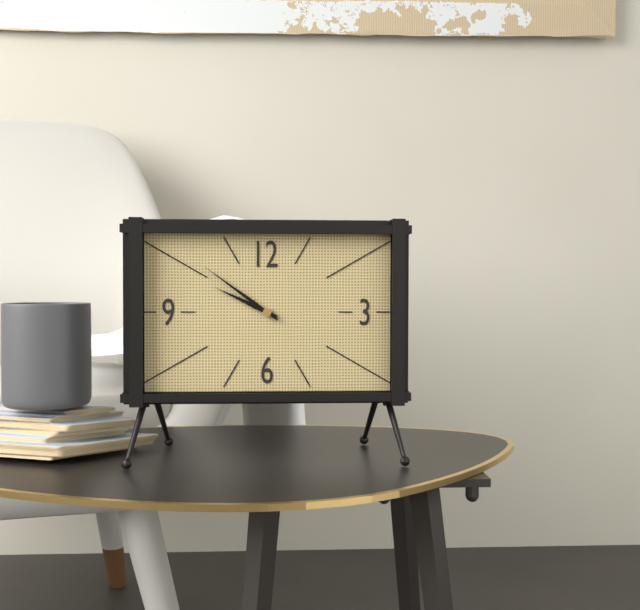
9:51
